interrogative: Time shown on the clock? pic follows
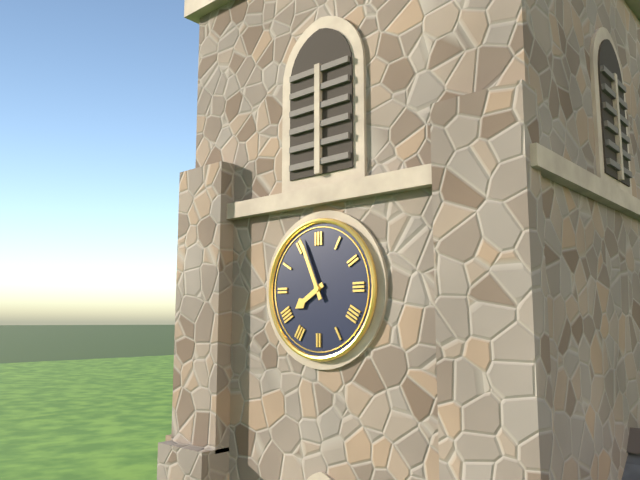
7:56
